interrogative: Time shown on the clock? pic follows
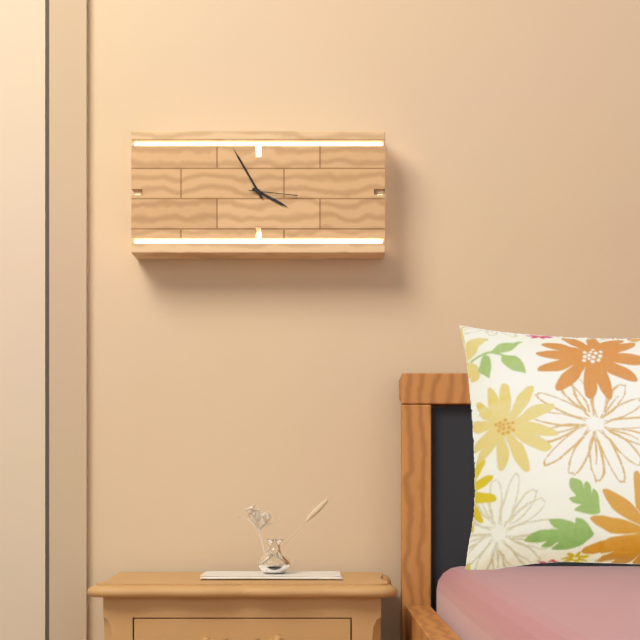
3:55
